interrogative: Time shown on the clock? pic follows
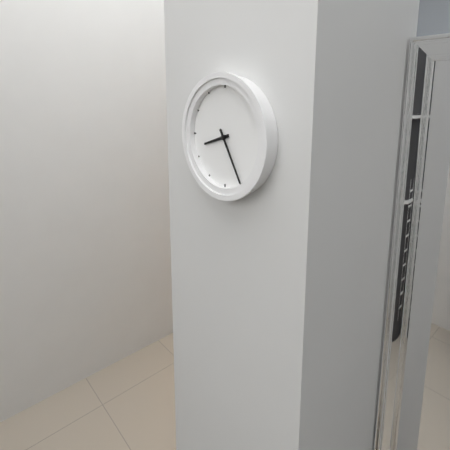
8:25
